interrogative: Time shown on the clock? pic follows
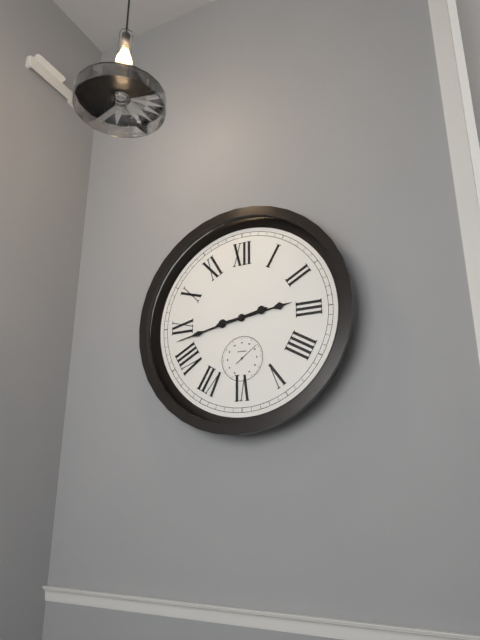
2:43
